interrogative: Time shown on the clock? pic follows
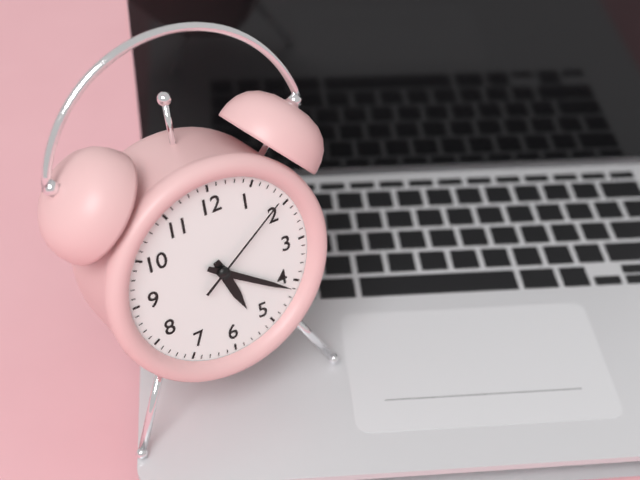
5:21:09
